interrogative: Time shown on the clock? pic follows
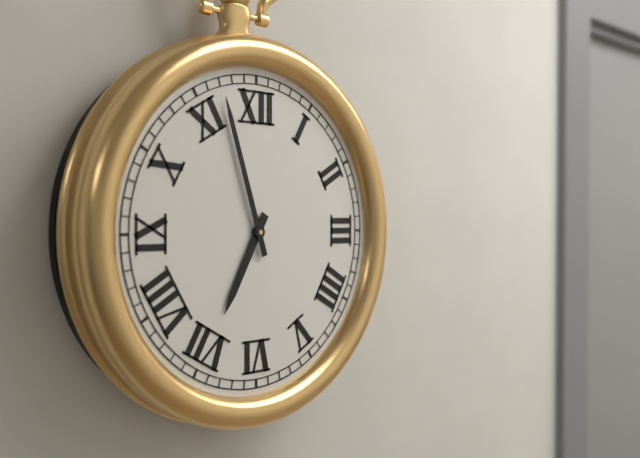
6:57
